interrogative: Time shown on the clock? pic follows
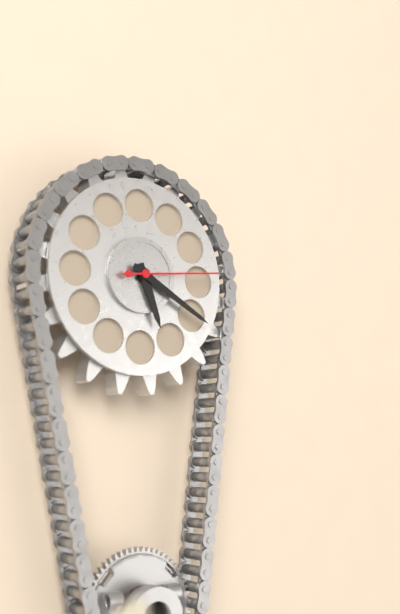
5:20:14
